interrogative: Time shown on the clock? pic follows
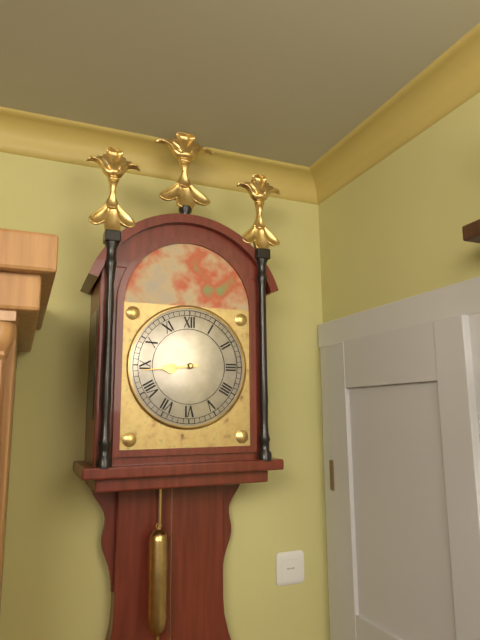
8:44
